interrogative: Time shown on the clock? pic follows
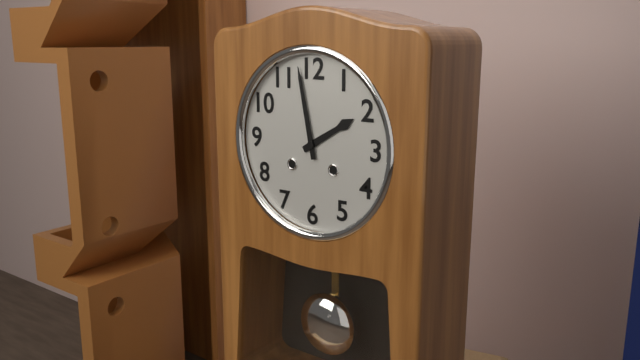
1:58
